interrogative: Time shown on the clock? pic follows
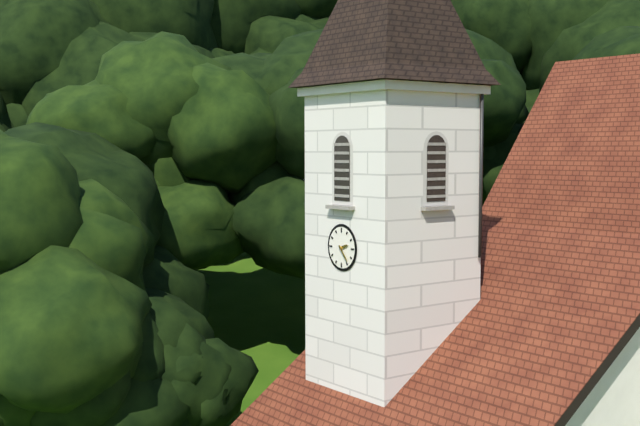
2:23
